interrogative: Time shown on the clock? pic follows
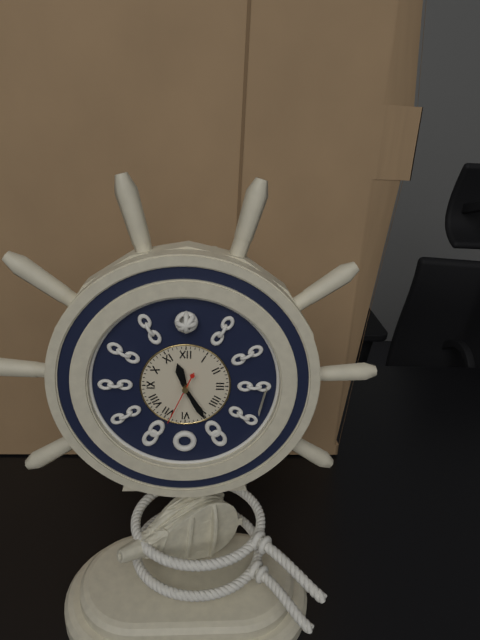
11:25:34
